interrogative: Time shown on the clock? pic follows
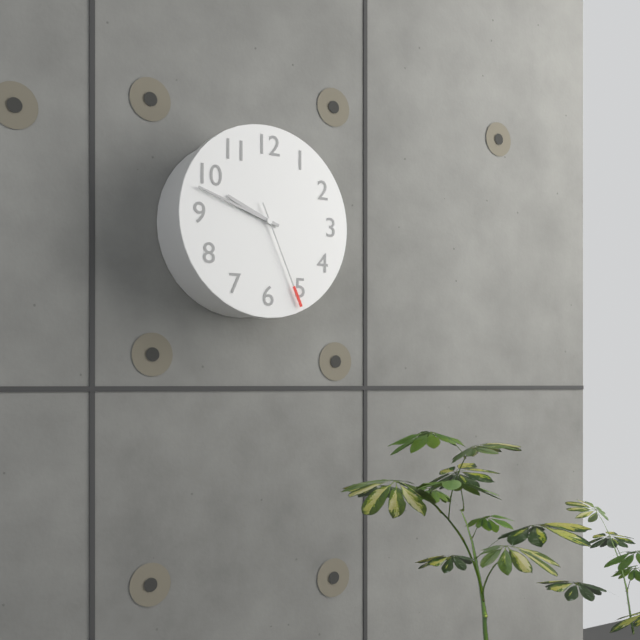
9:48:26
